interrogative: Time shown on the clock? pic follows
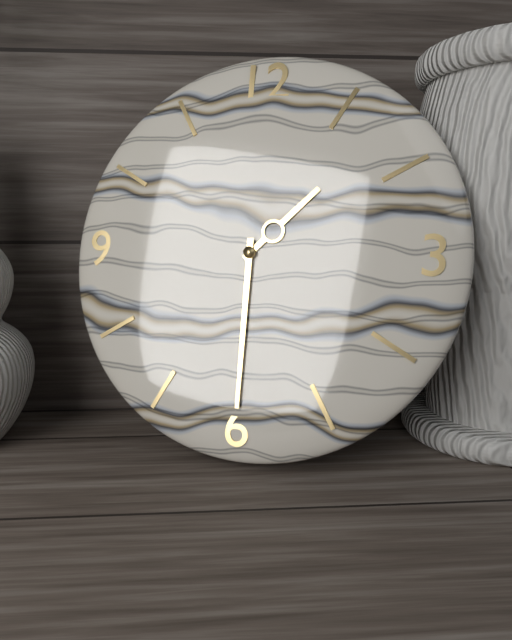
1:30
